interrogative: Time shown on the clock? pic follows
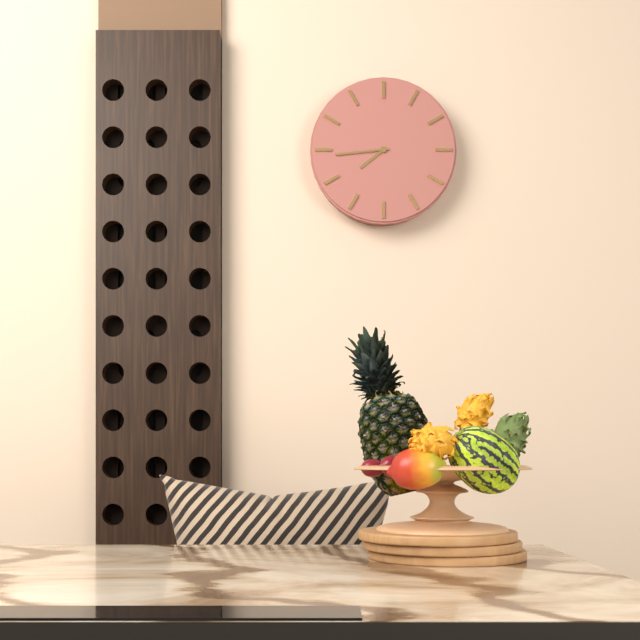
7:44
